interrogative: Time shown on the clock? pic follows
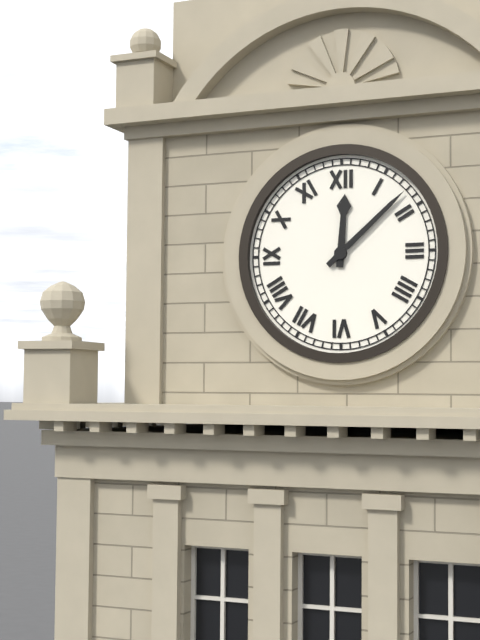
12:08
